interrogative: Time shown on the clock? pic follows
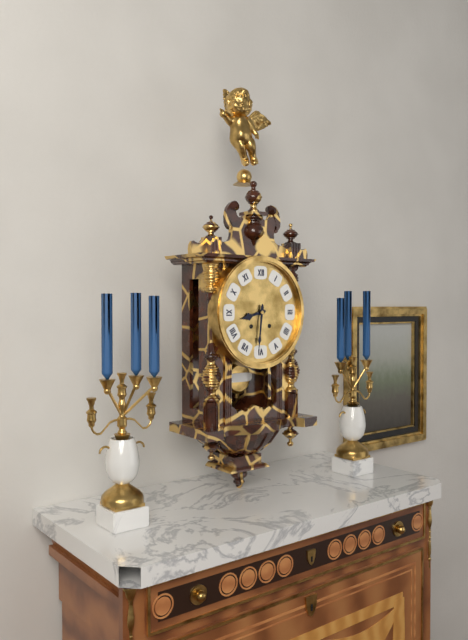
8:31
